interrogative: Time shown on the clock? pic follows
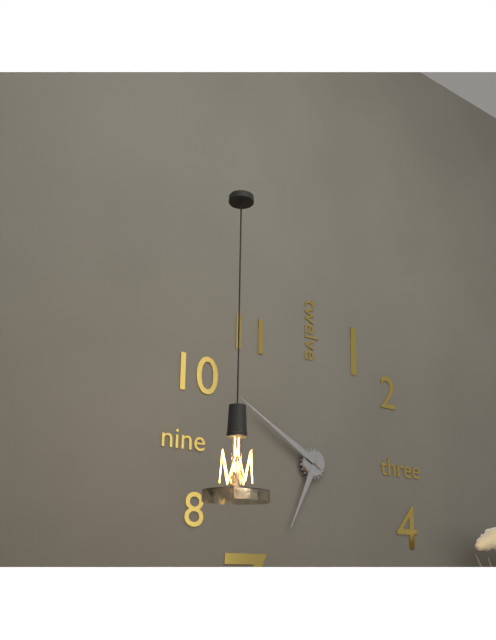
6:50
